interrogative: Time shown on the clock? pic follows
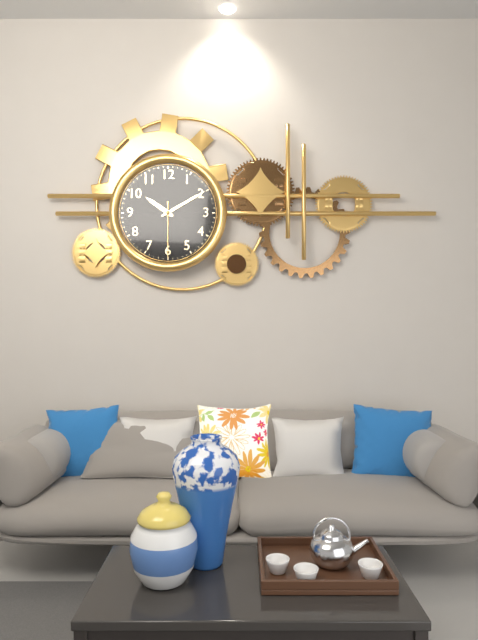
10:10:30
